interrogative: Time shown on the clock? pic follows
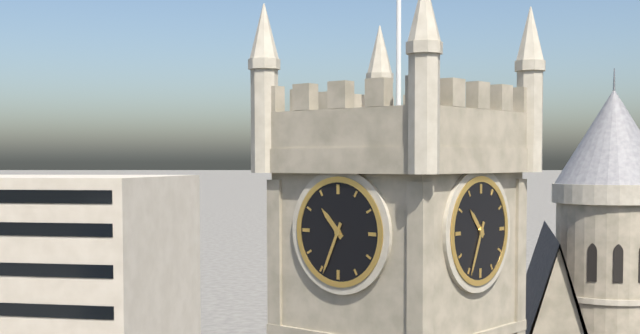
10:34
